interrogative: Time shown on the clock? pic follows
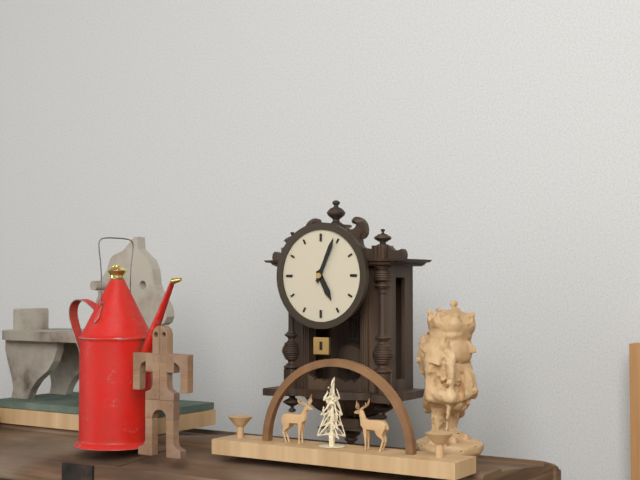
5:04
